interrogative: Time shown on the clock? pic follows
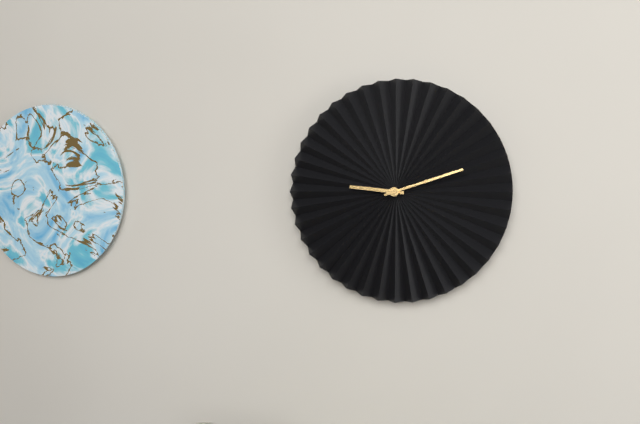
9:12
